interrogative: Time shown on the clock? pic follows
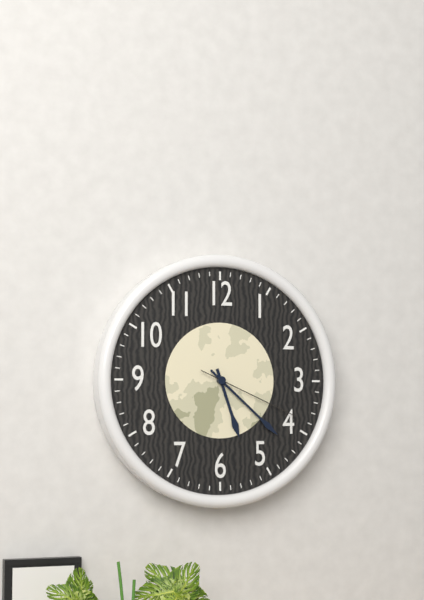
5:22:19
